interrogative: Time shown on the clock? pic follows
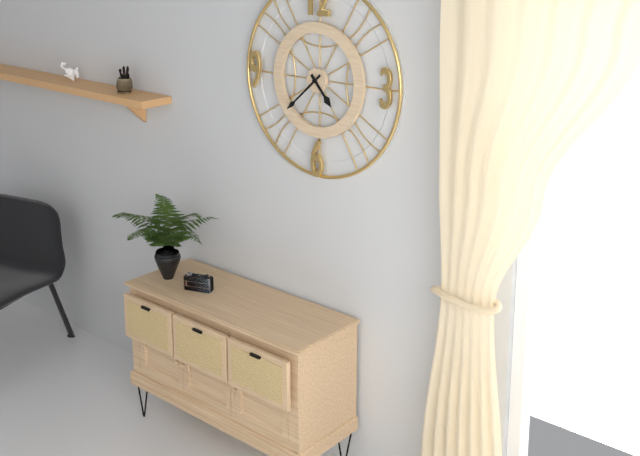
4:38
